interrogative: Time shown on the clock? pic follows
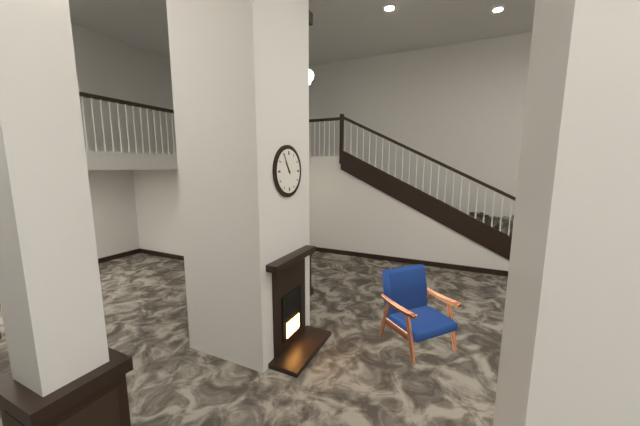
10:55
